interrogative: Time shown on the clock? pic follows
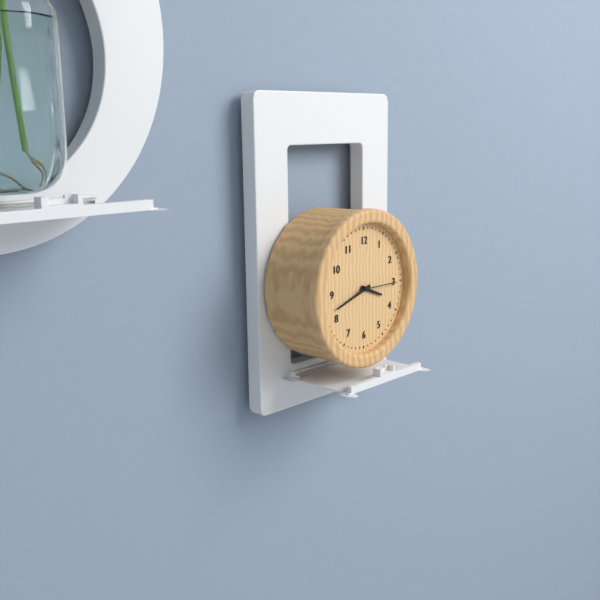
3:42
